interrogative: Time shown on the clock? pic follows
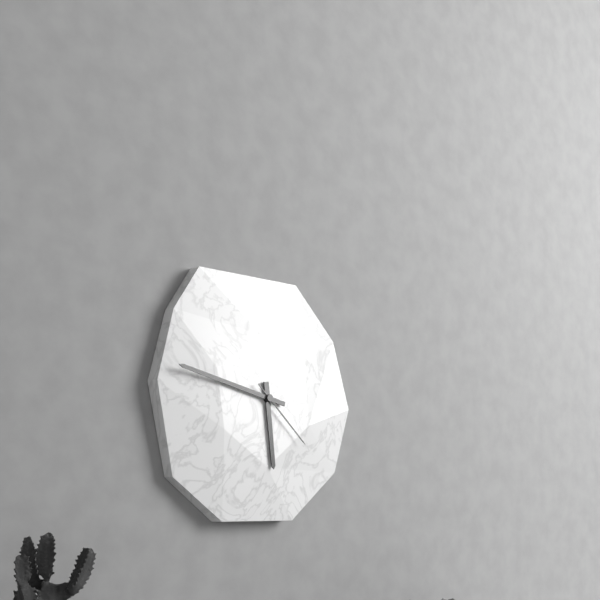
5:47:22
